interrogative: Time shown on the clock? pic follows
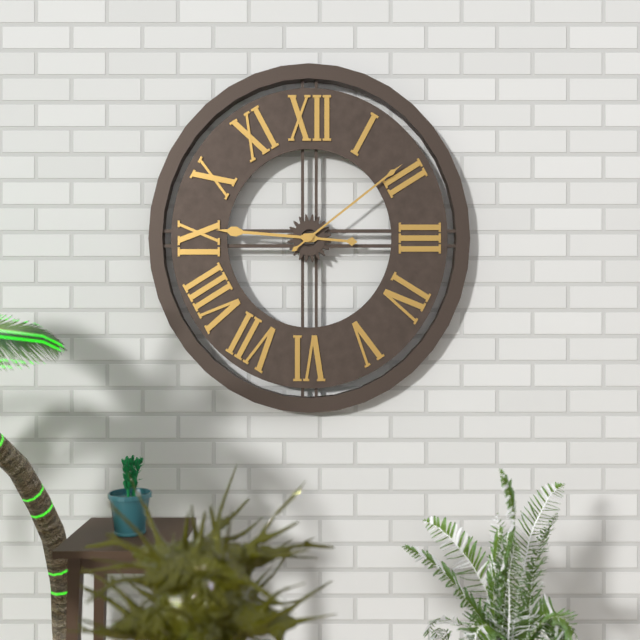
9:09
